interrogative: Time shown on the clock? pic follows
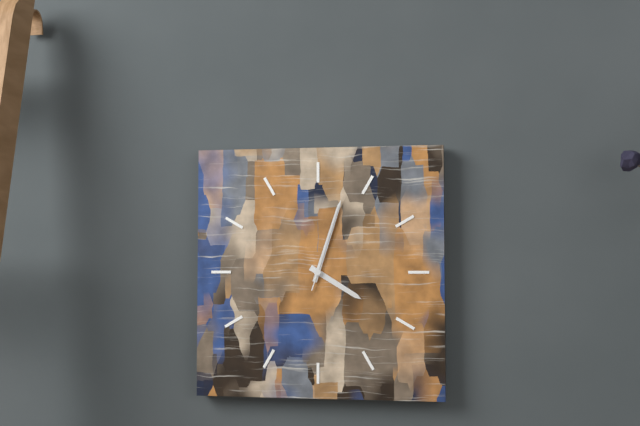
4:03:03
